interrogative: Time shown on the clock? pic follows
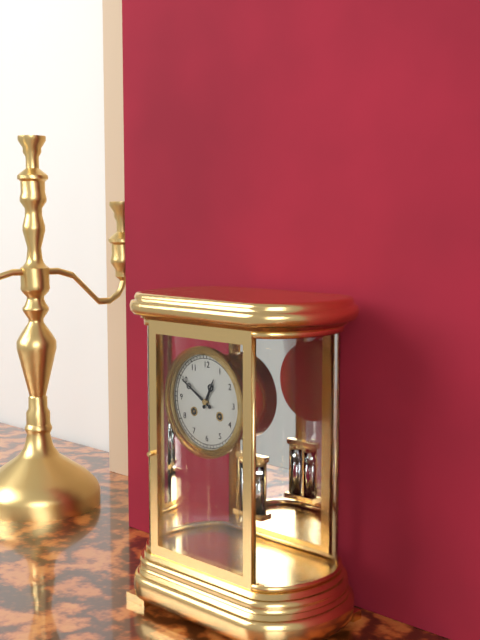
12:50
